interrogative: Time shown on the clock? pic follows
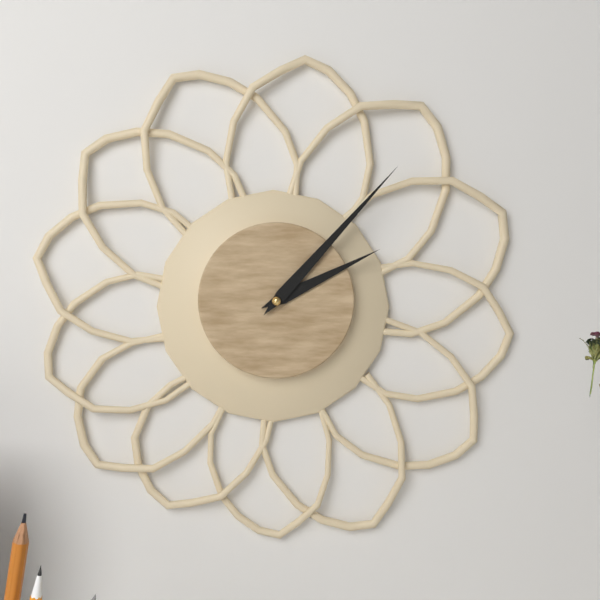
2:07
